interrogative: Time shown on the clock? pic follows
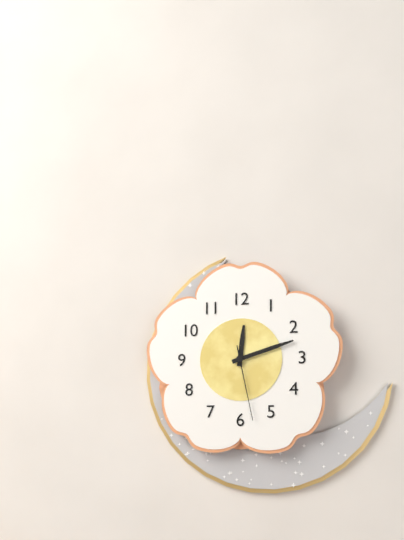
12:12:28
